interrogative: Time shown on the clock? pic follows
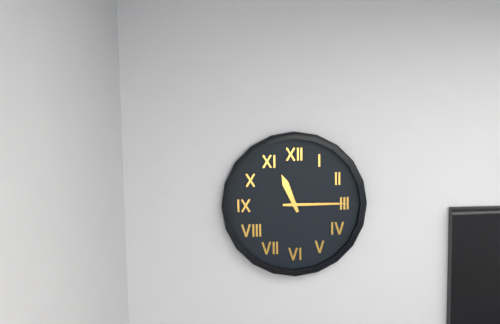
11:15
